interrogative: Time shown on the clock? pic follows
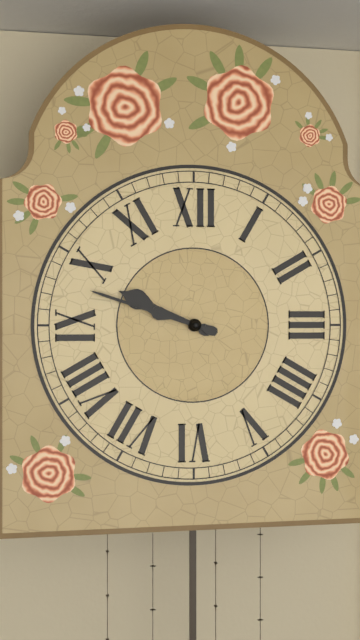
9:48
